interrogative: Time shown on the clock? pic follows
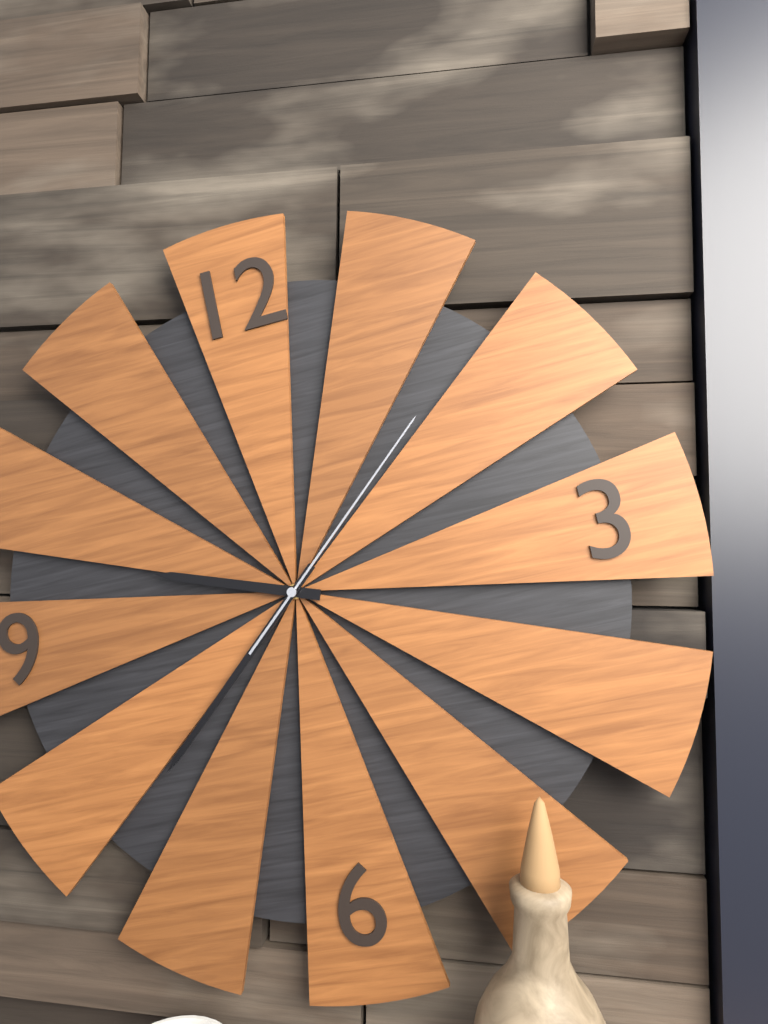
9:38:08
